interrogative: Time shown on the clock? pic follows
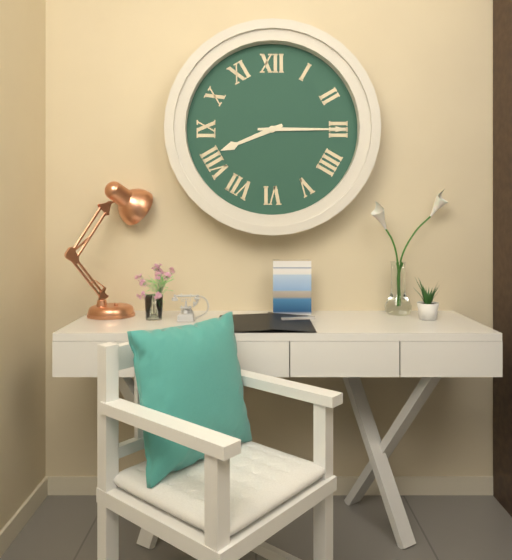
8:15
